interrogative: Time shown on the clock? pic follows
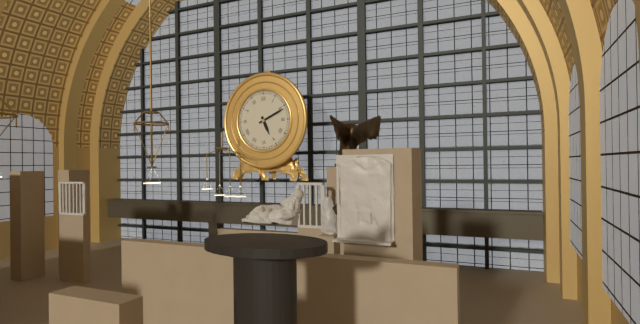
5:11
